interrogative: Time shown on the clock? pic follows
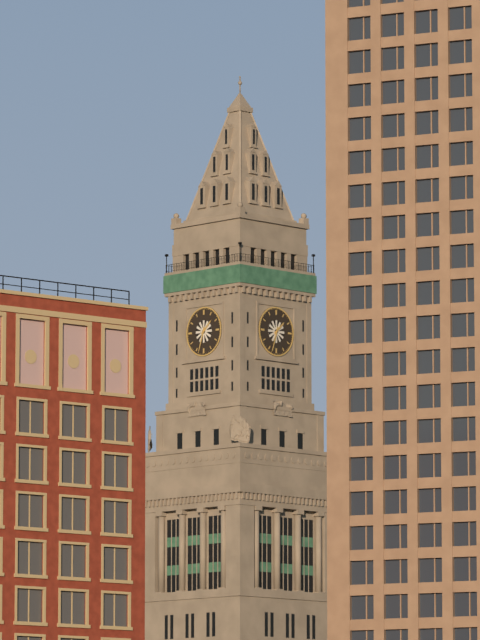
1:33
